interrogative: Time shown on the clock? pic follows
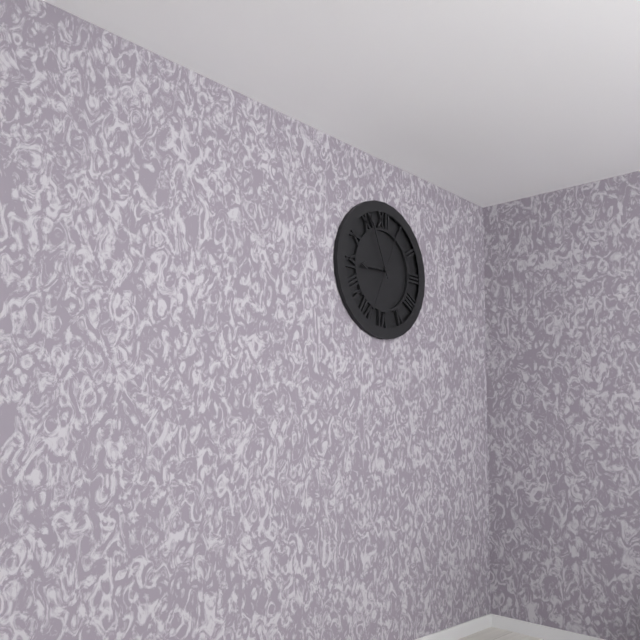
8:56:34
